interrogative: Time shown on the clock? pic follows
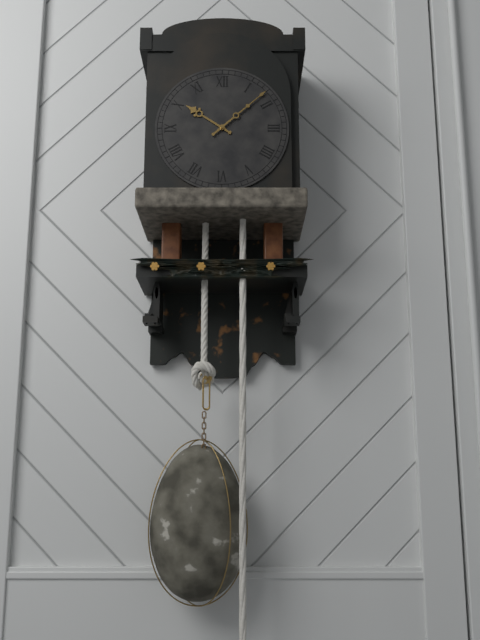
10:08
